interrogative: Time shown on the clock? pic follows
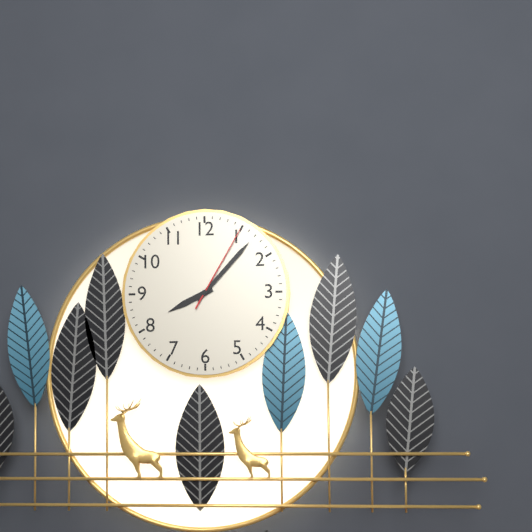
8:07:05
